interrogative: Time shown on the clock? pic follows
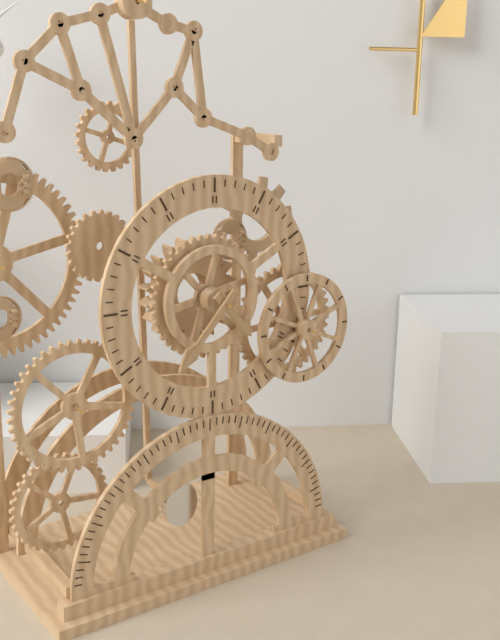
4:37
